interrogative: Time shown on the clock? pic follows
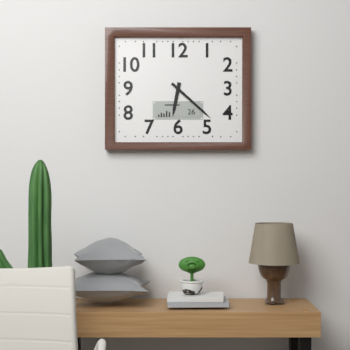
6:22
